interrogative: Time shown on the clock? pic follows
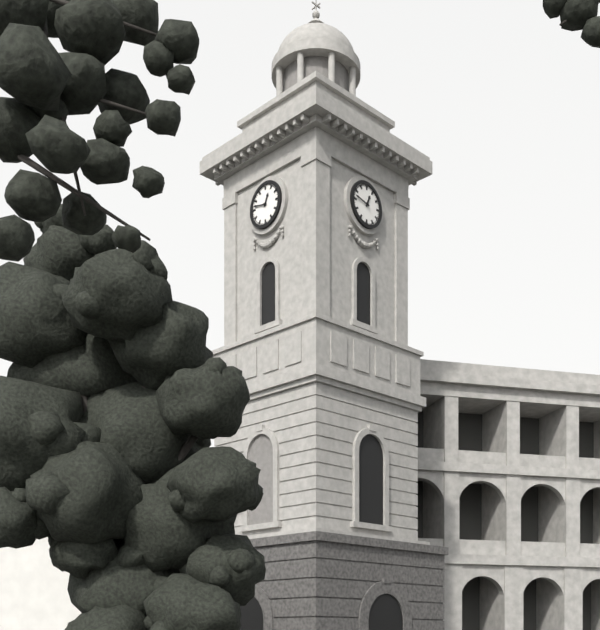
12:47
